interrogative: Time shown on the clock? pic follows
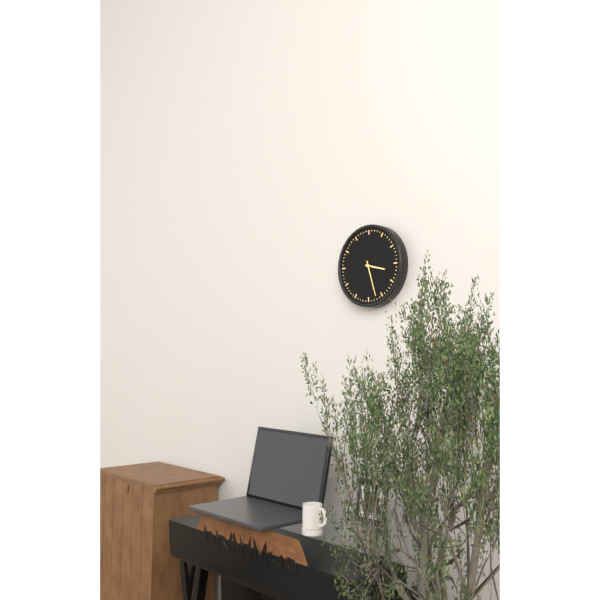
3:27
